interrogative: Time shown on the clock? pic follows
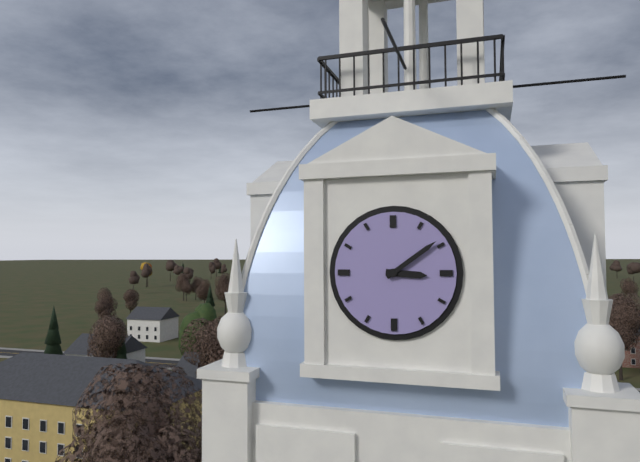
3:09
